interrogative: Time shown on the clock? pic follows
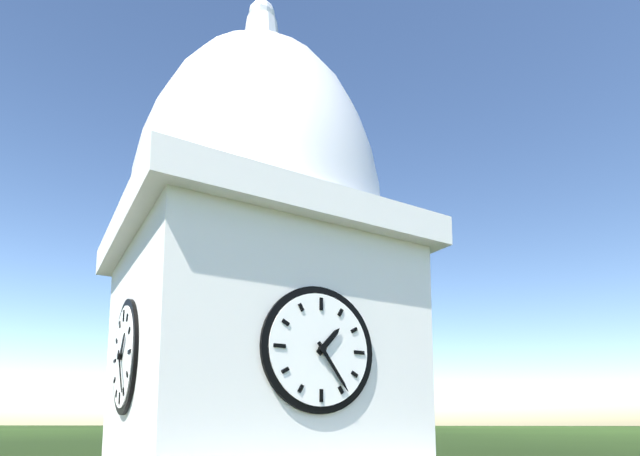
1:24
